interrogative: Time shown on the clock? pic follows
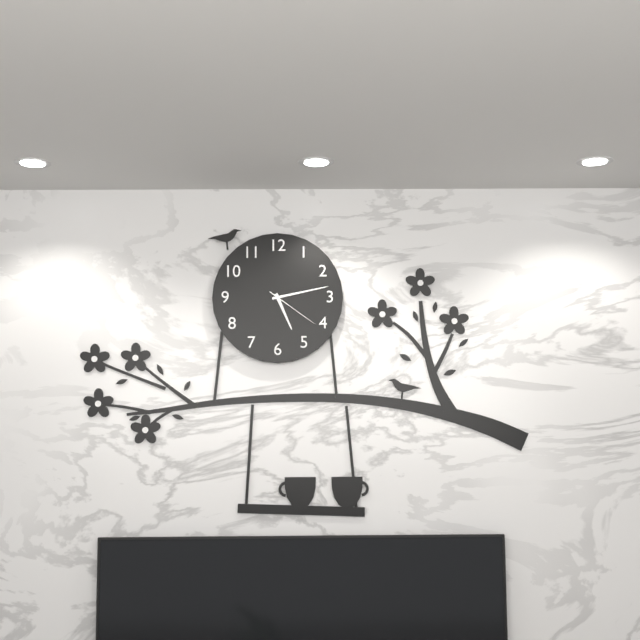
5:13:21
